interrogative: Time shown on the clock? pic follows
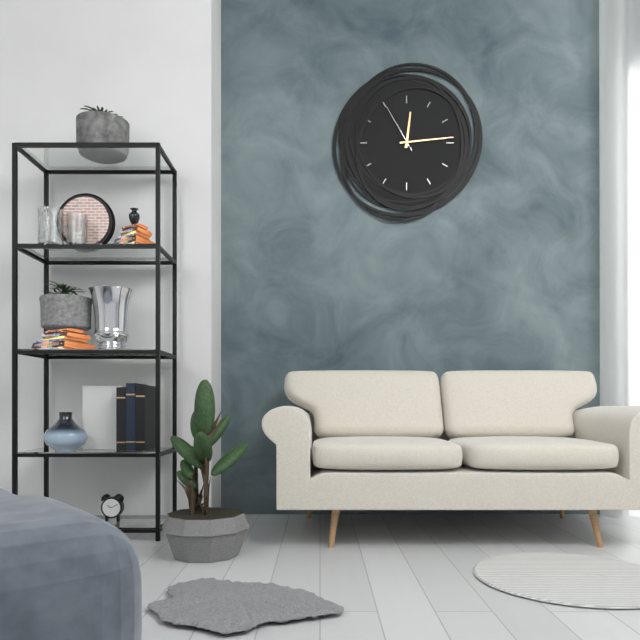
12:14:55
